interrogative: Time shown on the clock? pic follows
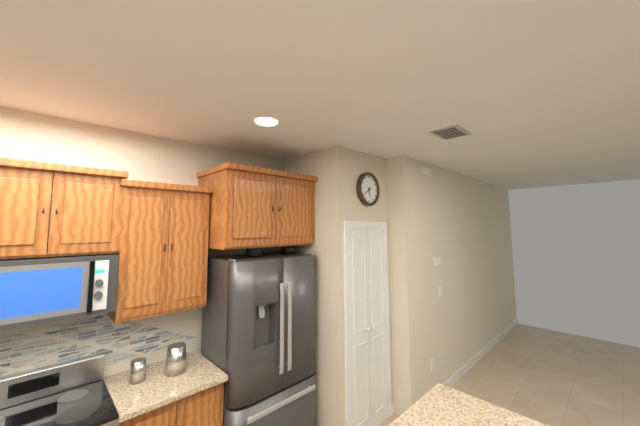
5:39
